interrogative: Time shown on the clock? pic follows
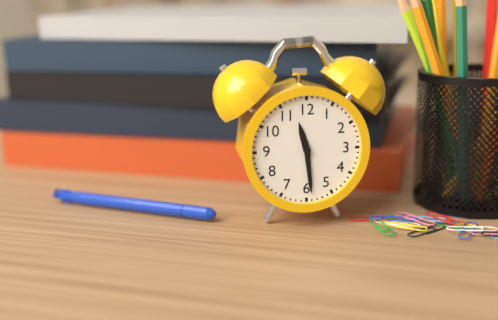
11:29
